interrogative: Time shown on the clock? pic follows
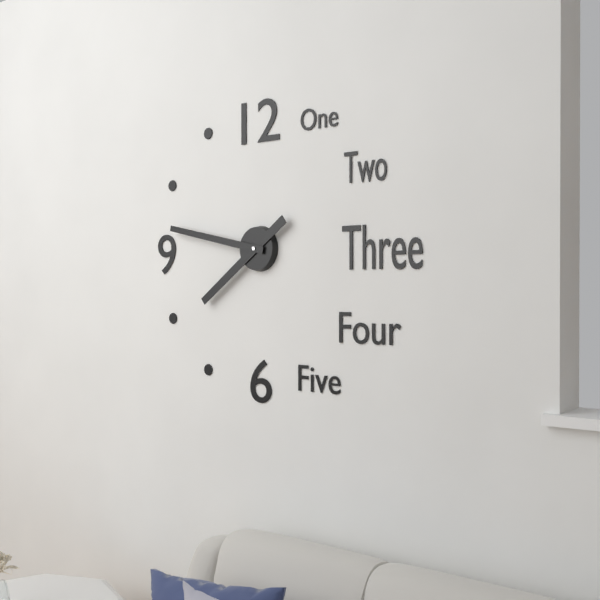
7:47
